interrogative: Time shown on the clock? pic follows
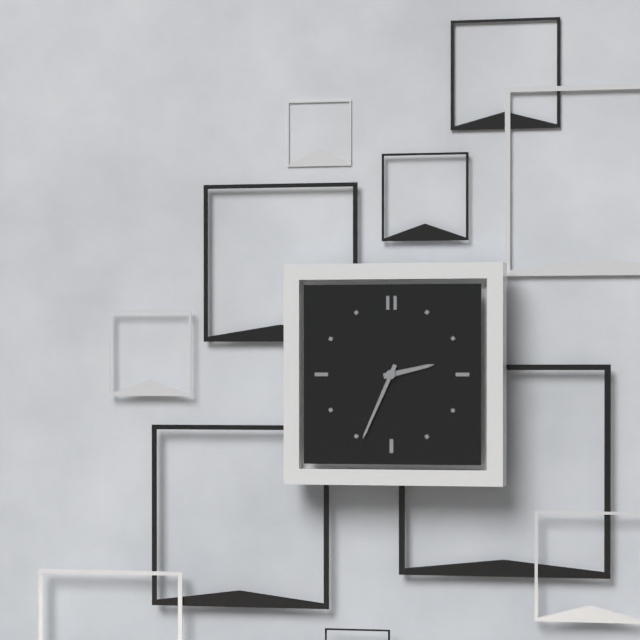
2:34
